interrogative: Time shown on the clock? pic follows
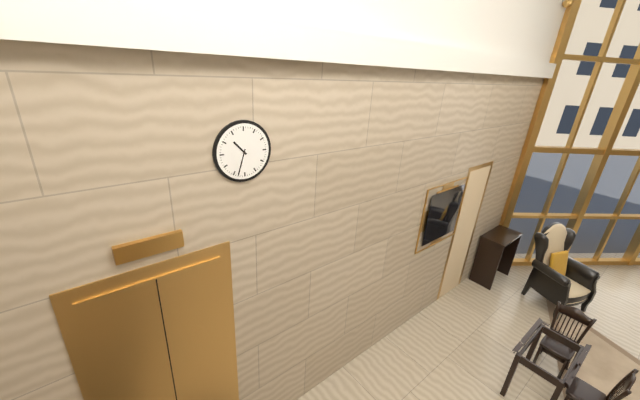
10:33
